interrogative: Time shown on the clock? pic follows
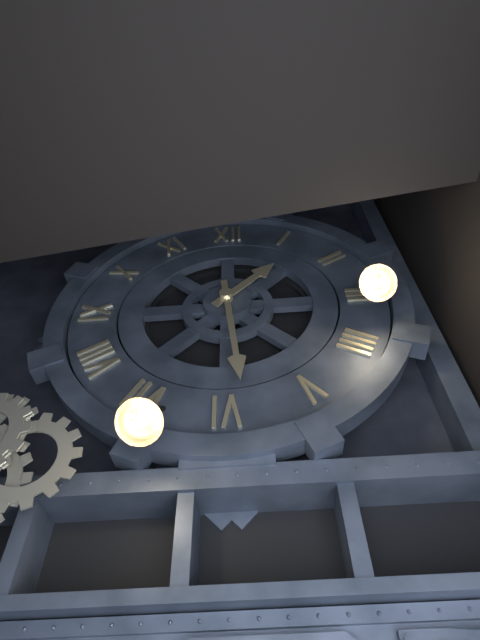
1:29
